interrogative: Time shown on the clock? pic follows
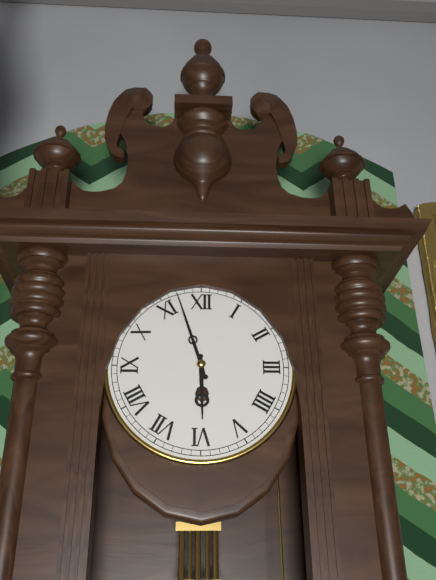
5:57
